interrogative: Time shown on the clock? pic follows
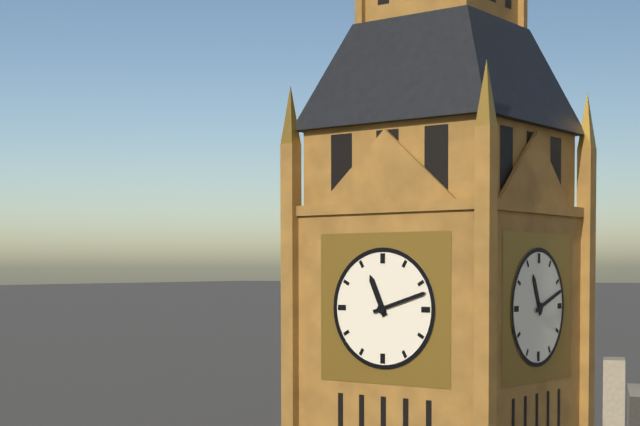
11:12
